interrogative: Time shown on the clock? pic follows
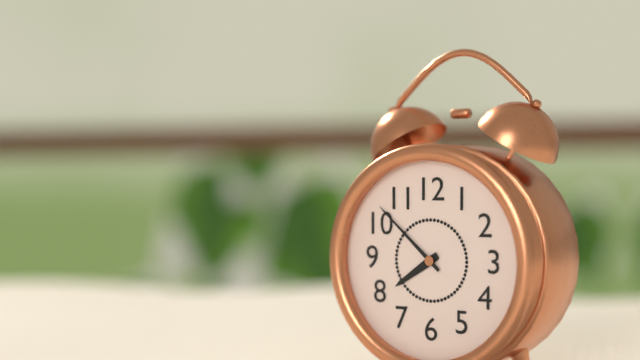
7:52
